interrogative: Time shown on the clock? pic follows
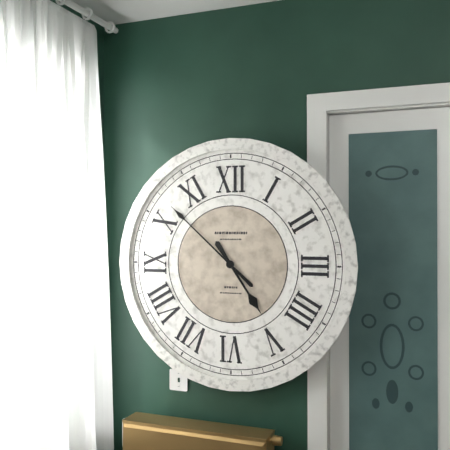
4:52
